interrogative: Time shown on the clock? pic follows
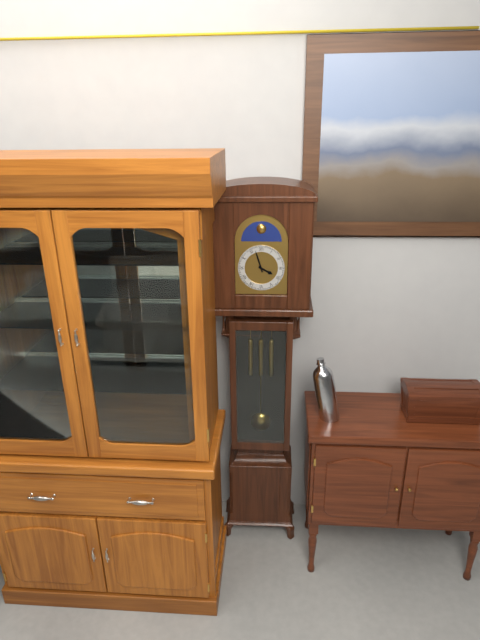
3:57
